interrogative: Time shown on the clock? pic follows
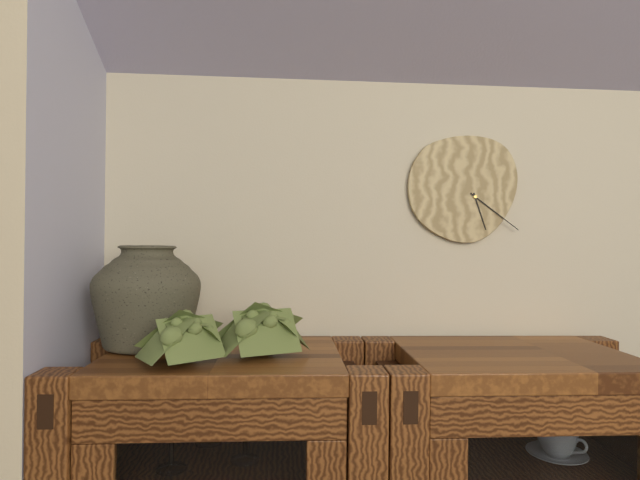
5:21
